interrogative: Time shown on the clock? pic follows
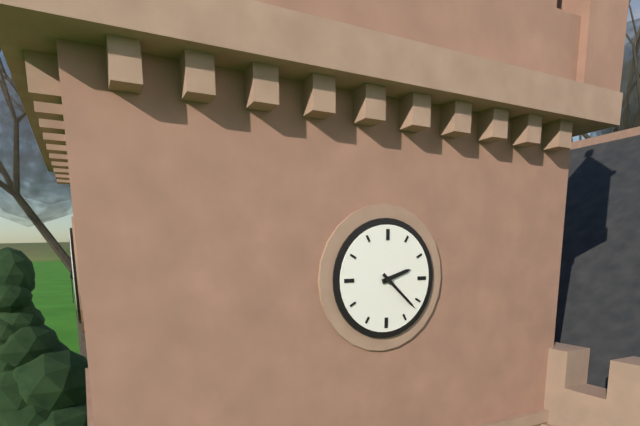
2:22
